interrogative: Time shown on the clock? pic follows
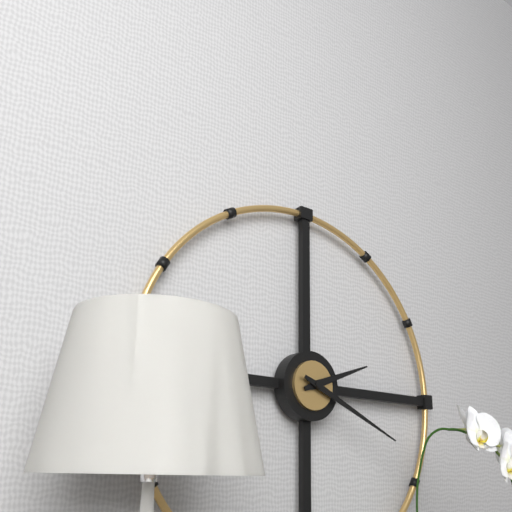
2:19
